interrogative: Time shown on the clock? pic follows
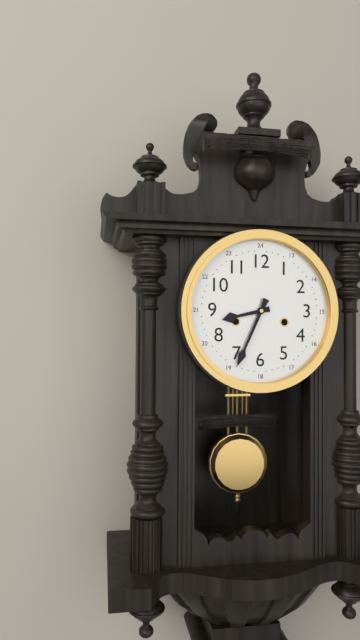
8:34
